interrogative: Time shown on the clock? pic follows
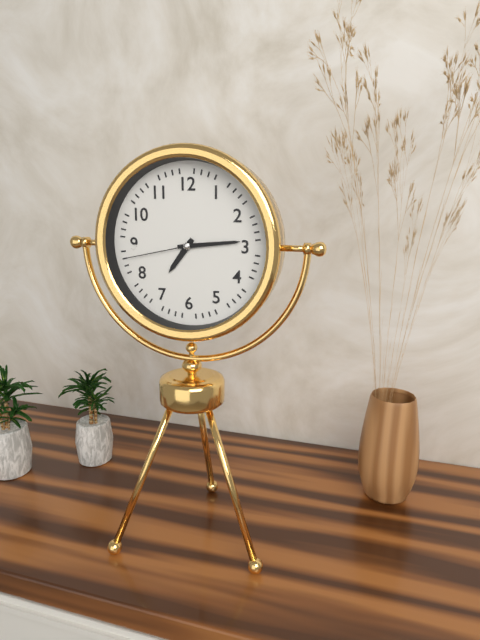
7:14:43
